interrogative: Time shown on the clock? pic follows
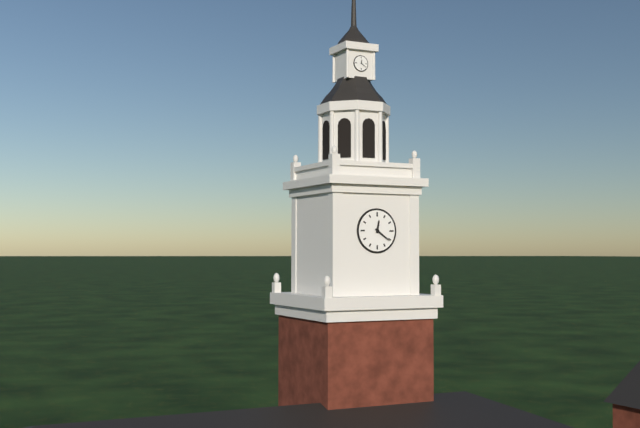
12:21
